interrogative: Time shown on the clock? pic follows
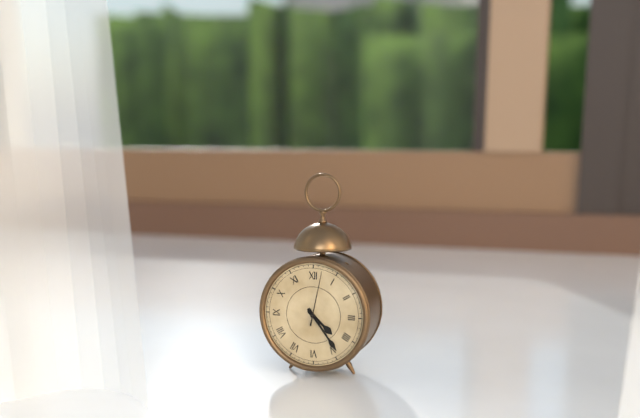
4:24:02
